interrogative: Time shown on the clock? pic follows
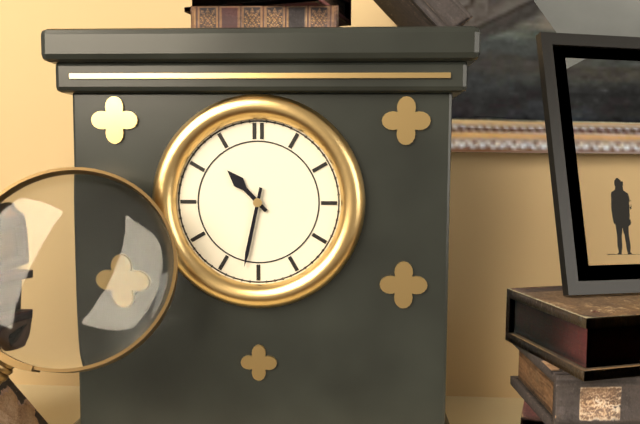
10:32
